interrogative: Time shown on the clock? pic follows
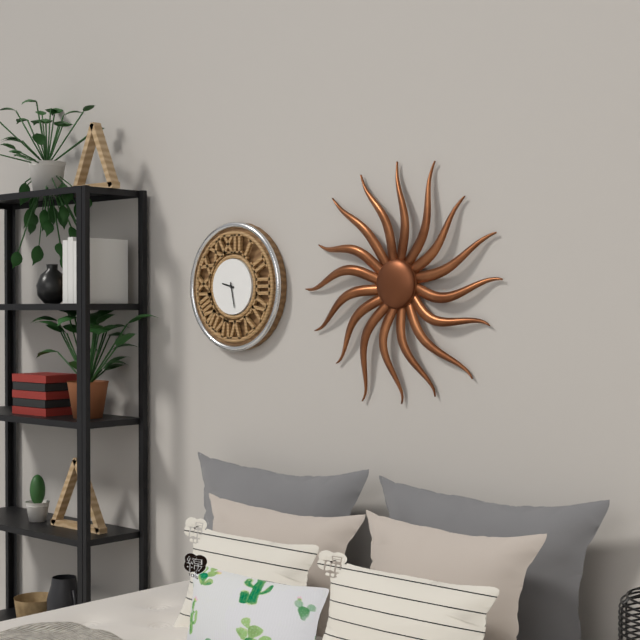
9:28
